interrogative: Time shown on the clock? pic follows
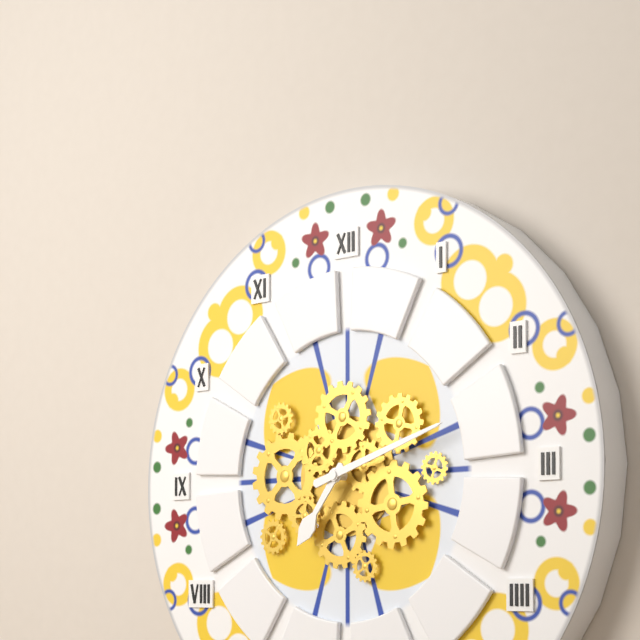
7:12
